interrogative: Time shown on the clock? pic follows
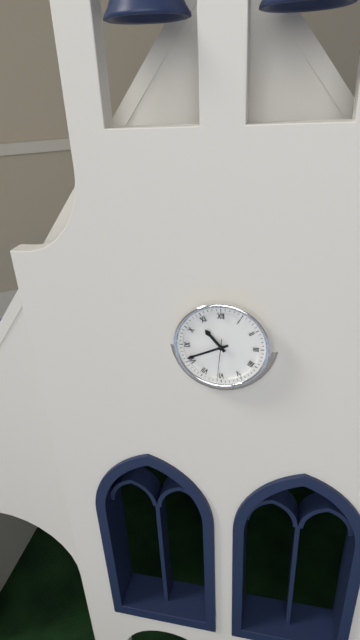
10:41
